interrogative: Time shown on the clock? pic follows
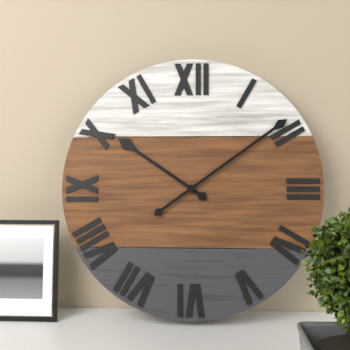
10:09
